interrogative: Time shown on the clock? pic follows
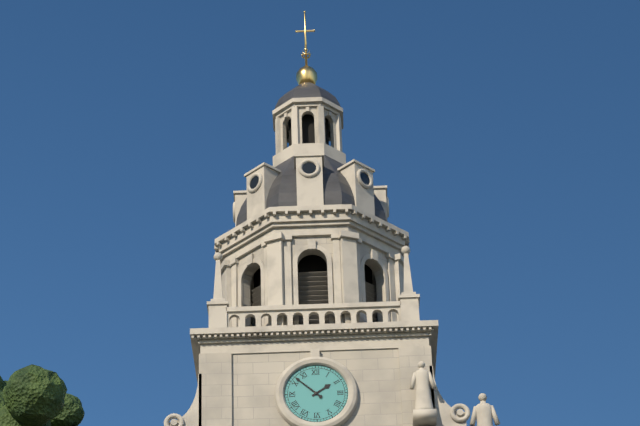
1:52
